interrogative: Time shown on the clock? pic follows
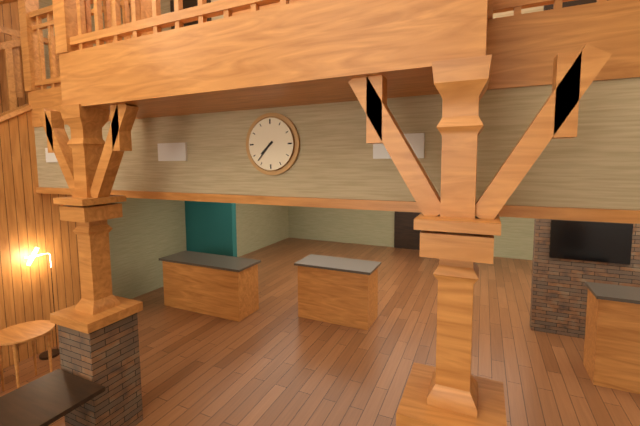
7:37
